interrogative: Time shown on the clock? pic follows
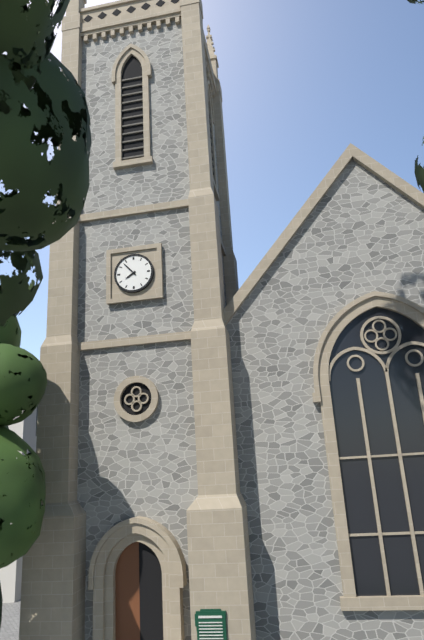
7:53
